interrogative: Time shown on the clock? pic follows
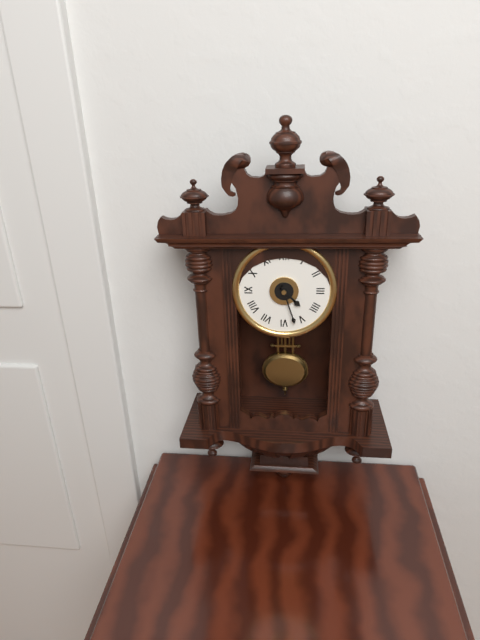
4:27
